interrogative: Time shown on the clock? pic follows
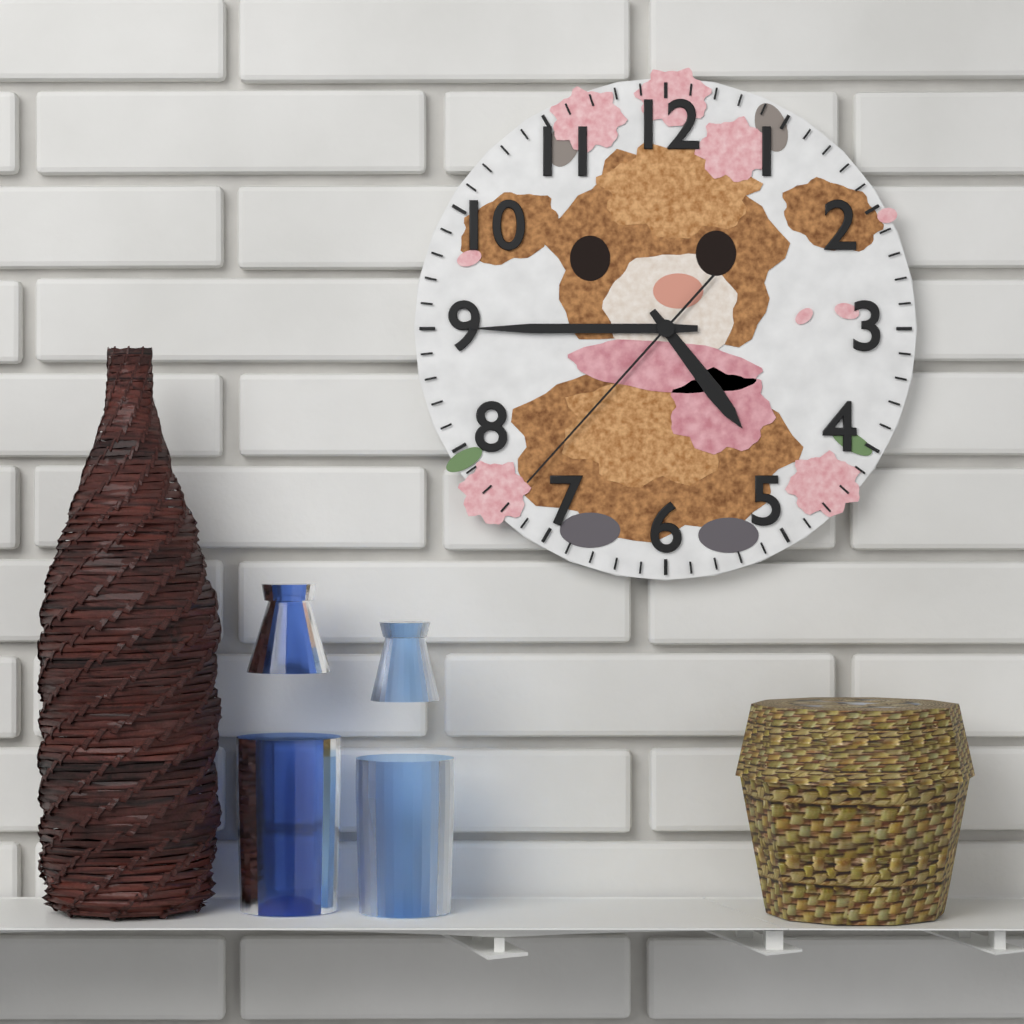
4:45:37
